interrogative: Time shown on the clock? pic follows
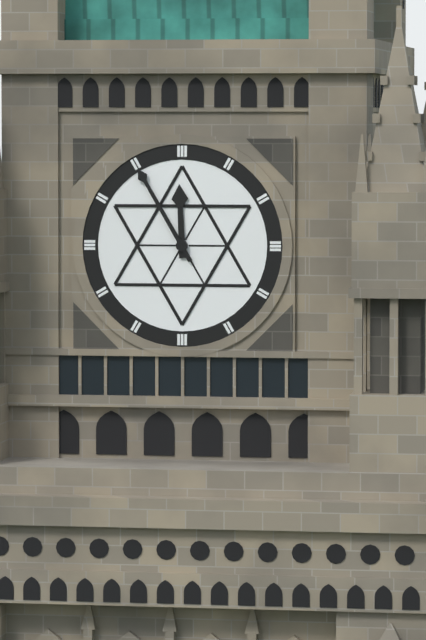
11:55
